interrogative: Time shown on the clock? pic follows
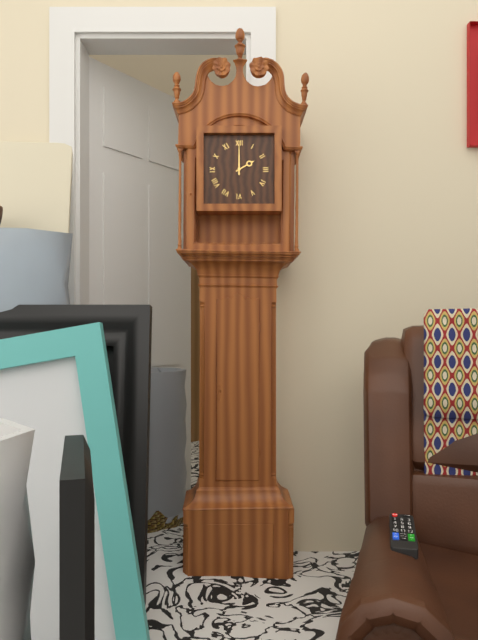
2:00
